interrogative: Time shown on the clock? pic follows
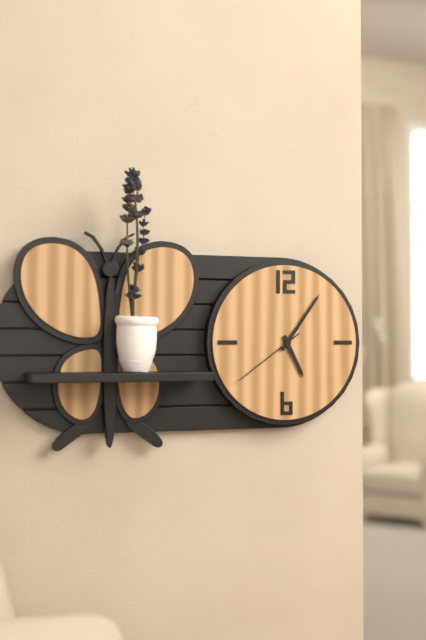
5:06:39
